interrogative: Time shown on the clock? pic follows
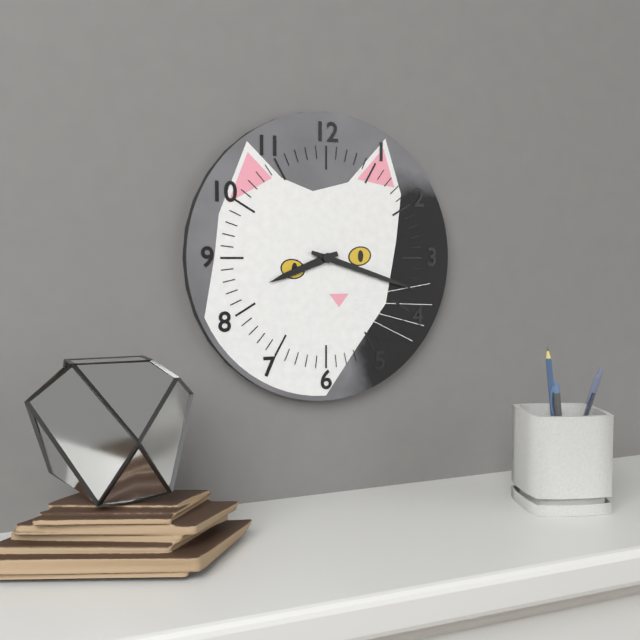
8:18
